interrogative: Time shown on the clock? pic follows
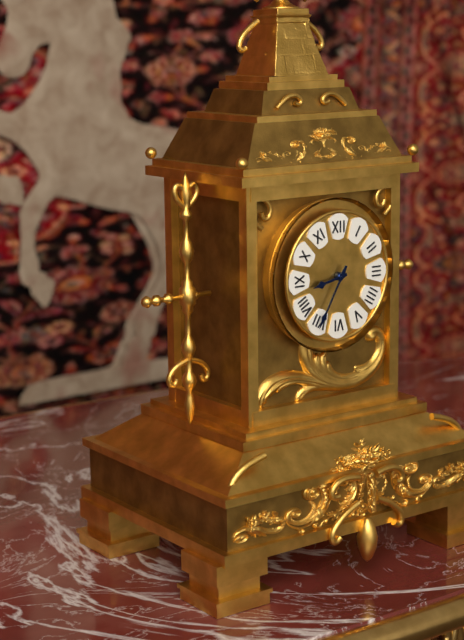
8:35
